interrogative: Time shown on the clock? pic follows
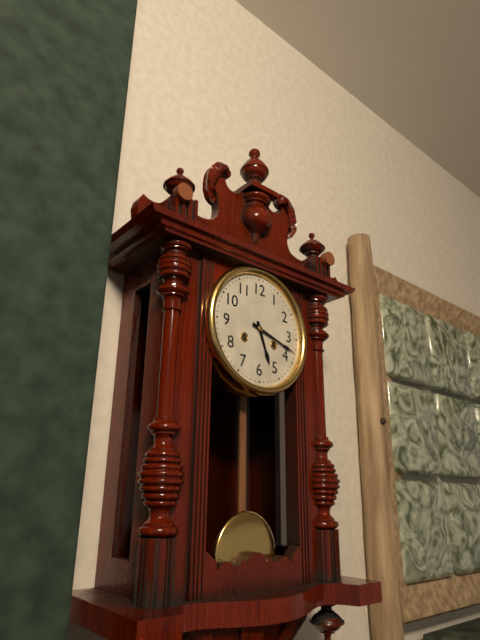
5:18
